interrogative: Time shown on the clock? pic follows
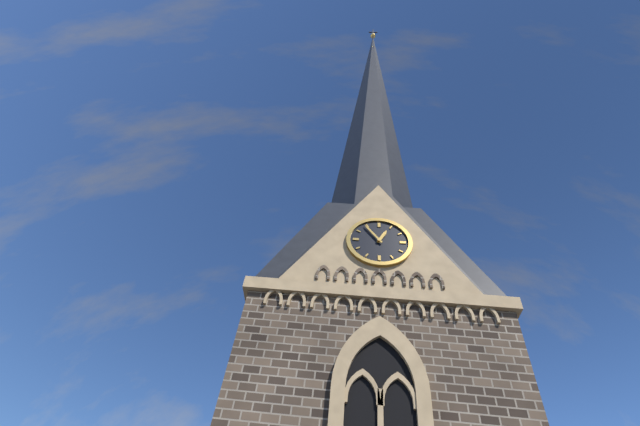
12:54
